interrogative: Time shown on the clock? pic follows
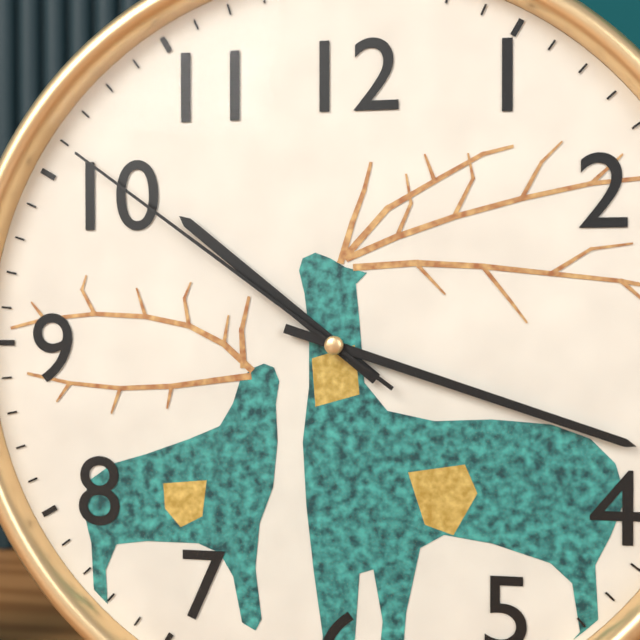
10:18:51
